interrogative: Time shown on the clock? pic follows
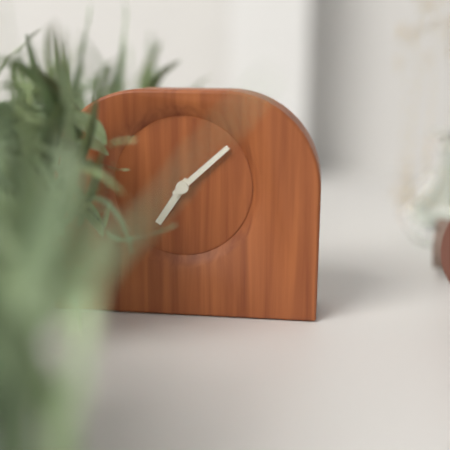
7:08
